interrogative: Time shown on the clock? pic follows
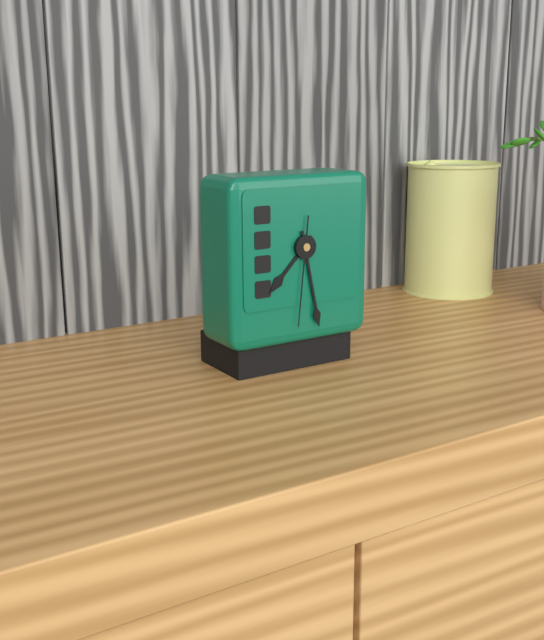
7:28:31
